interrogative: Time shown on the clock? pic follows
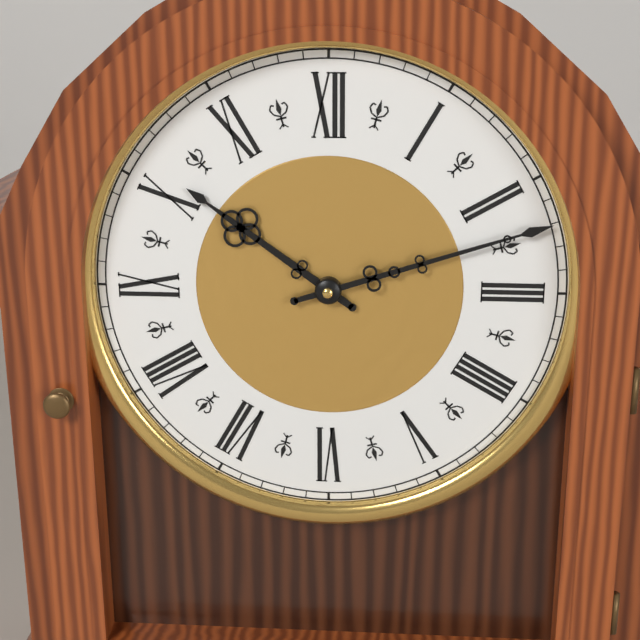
10:12
